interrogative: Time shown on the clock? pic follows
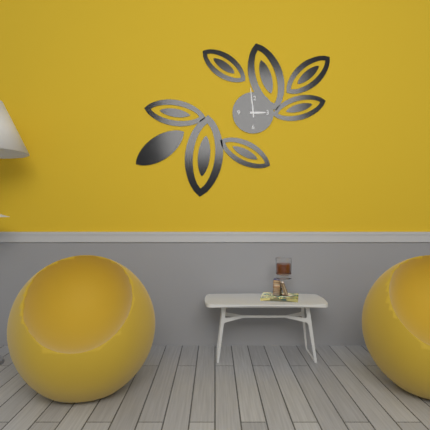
2:59
